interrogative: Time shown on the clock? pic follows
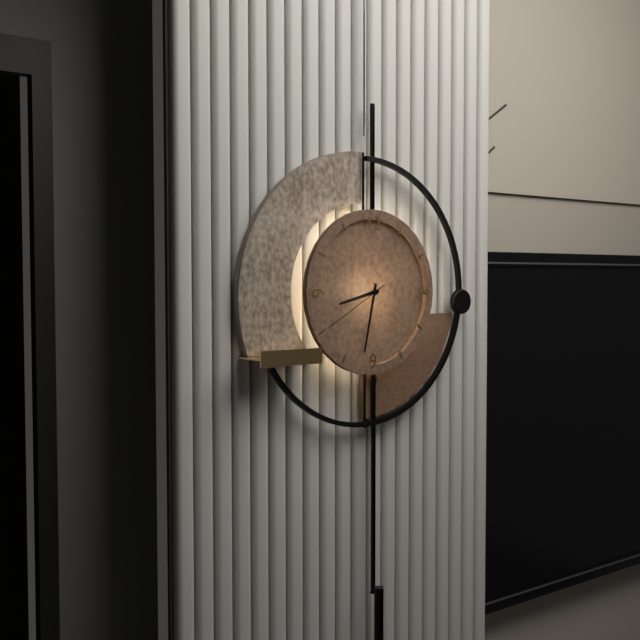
8:32:40
